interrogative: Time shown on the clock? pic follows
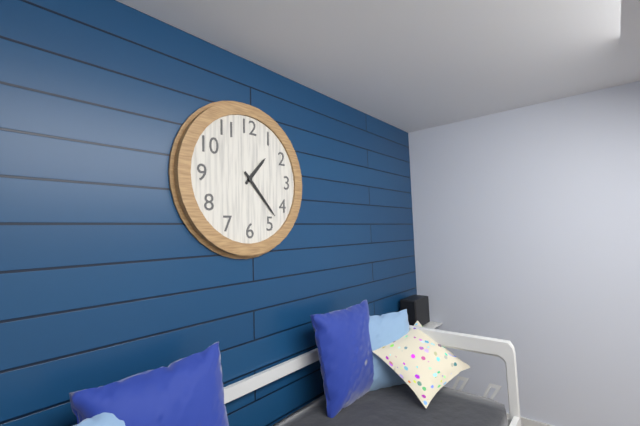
1:23
